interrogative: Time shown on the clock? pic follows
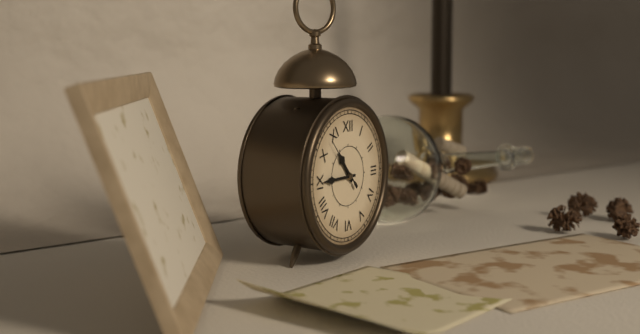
10:45:53
